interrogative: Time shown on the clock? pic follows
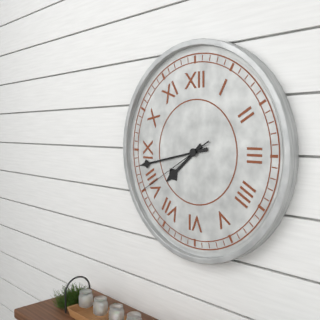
7:43:40
